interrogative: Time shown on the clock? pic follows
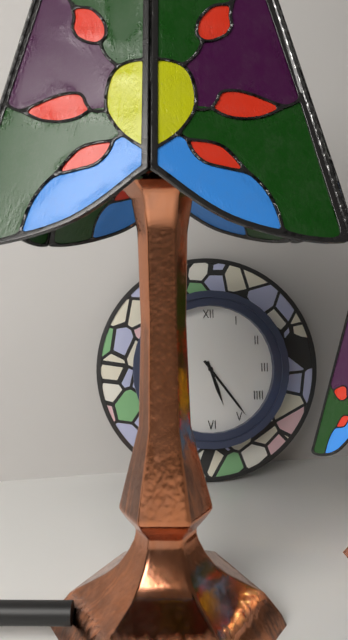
5:24
